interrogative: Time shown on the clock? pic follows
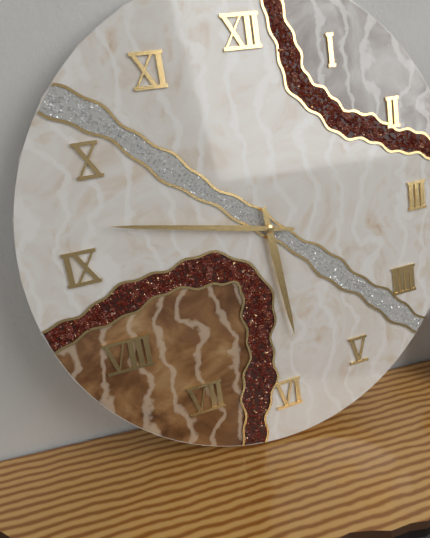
5:47
